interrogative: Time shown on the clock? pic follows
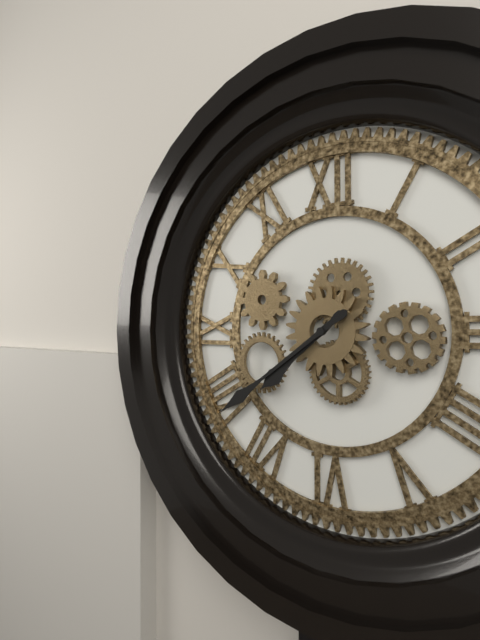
7:39
